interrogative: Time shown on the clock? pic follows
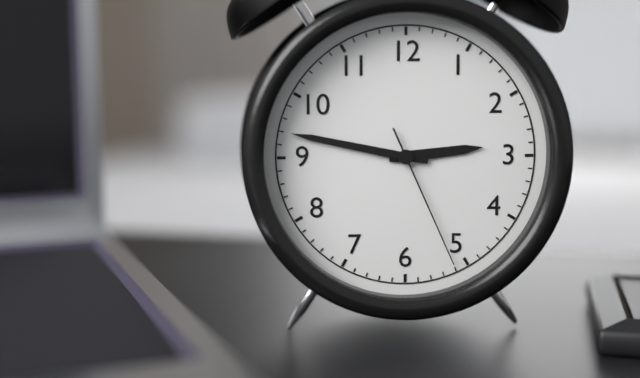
2:47:26
